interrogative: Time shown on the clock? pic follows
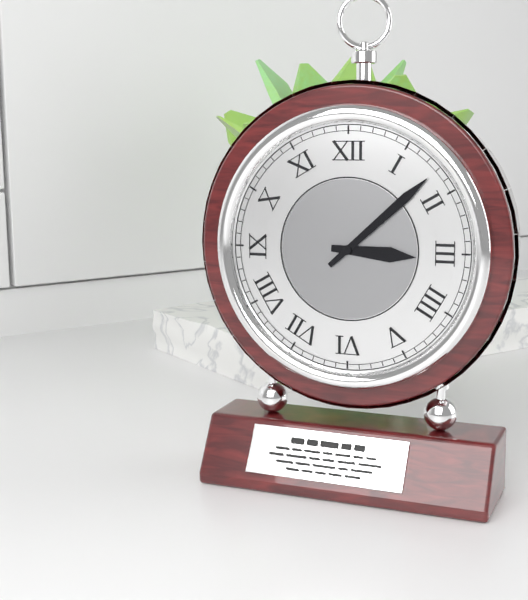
3:08
